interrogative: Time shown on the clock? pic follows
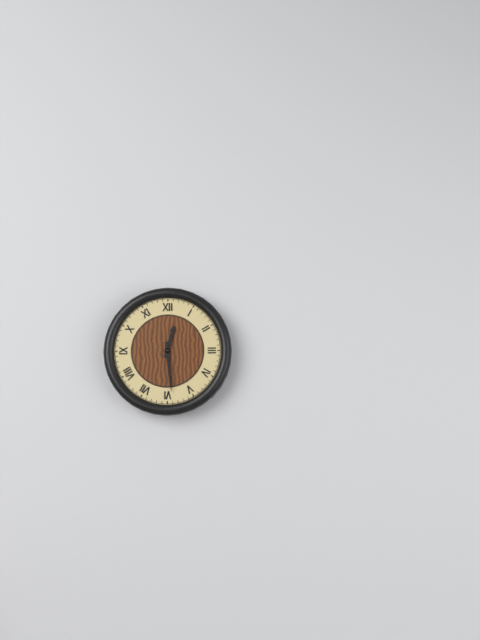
12:29
